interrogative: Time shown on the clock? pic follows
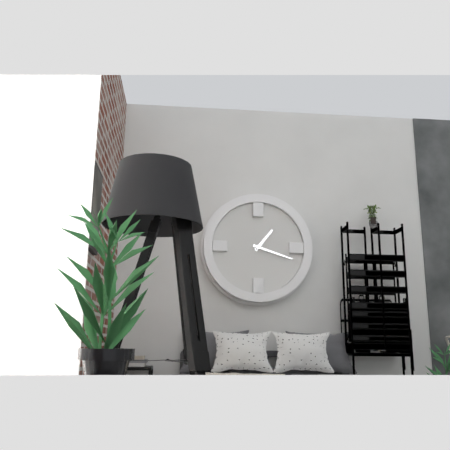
1:18
